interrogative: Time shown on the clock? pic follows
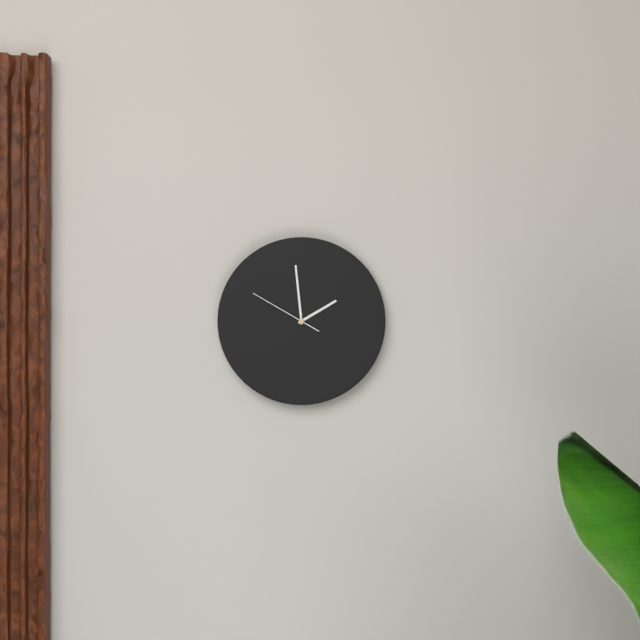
1:59:50
